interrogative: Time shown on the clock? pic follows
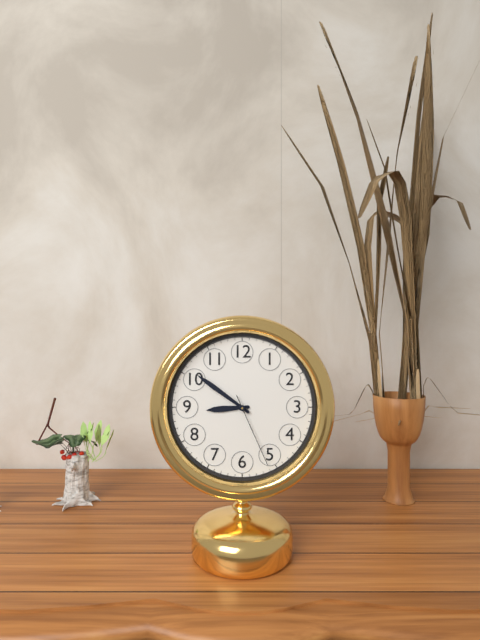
8:51:26
